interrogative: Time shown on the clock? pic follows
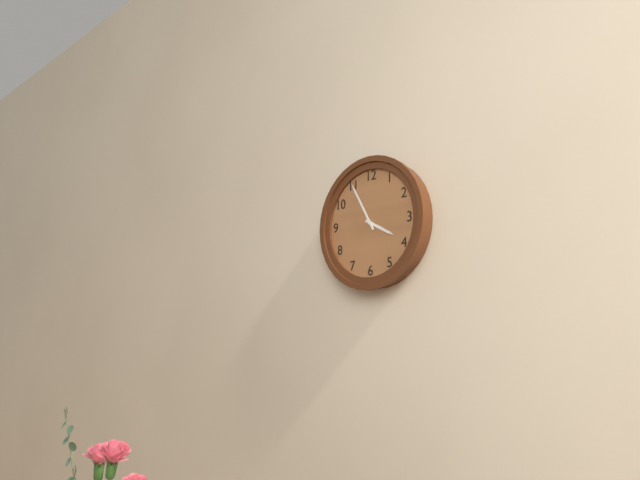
3:55
